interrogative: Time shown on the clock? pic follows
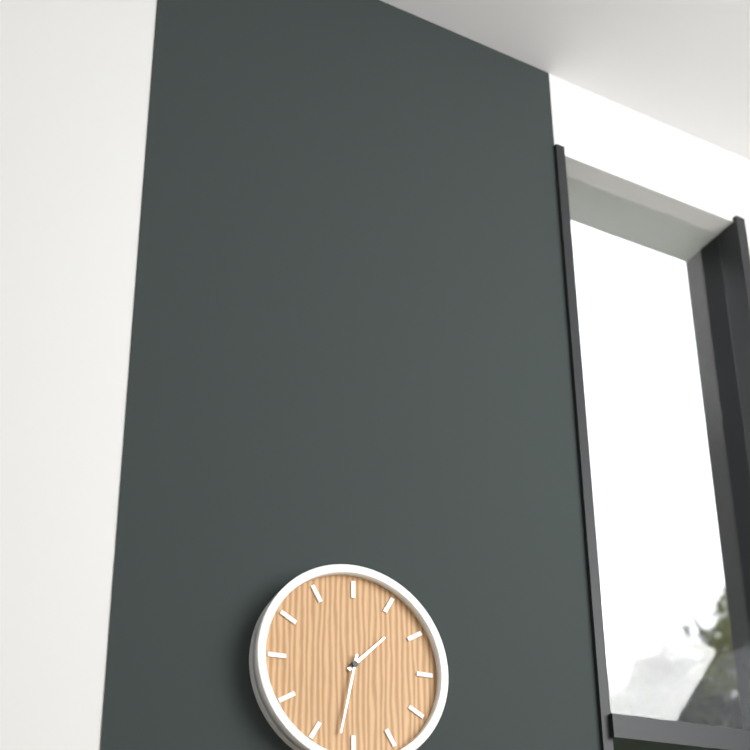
1:32
